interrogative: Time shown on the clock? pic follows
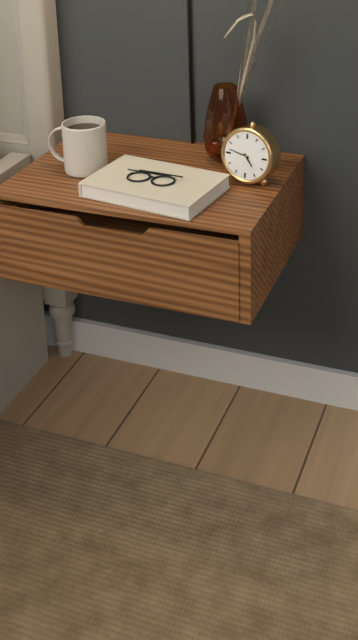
4:47
